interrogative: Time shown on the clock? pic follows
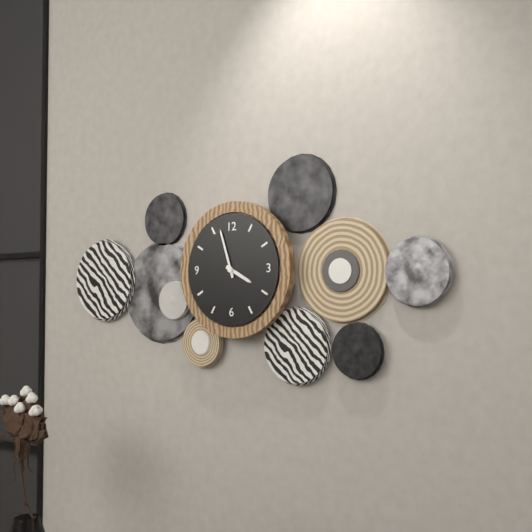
3:57
